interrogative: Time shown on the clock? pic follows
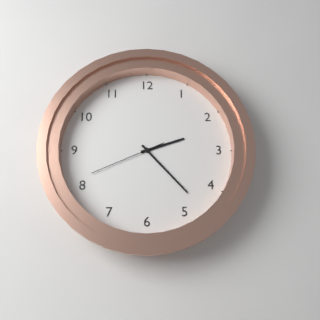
2:23:41
